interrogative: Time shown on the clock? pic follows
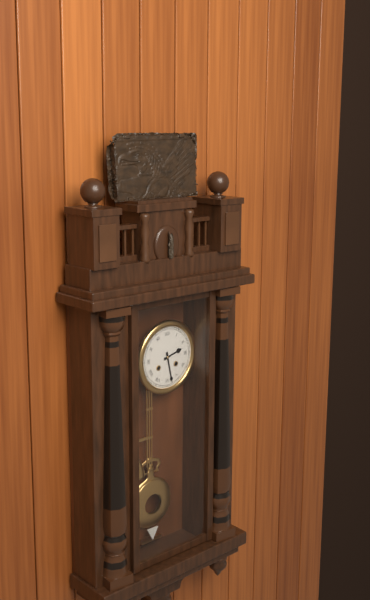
2:28
